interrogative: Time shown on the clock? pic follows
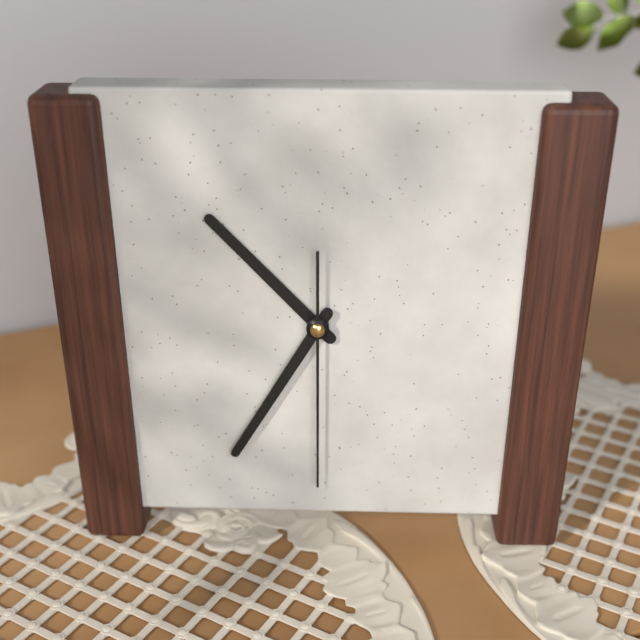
10:35:30
